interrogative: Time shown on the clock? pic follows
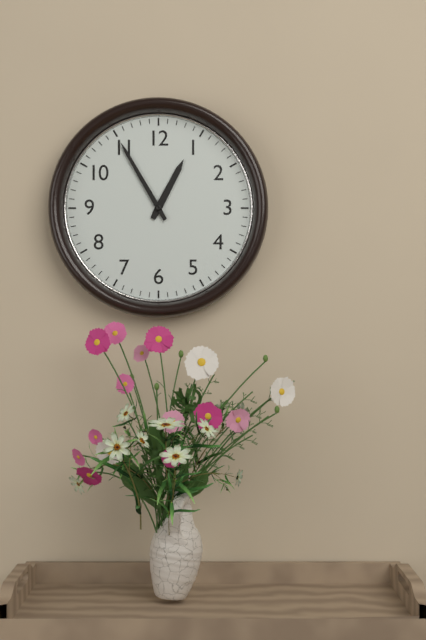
12:55
